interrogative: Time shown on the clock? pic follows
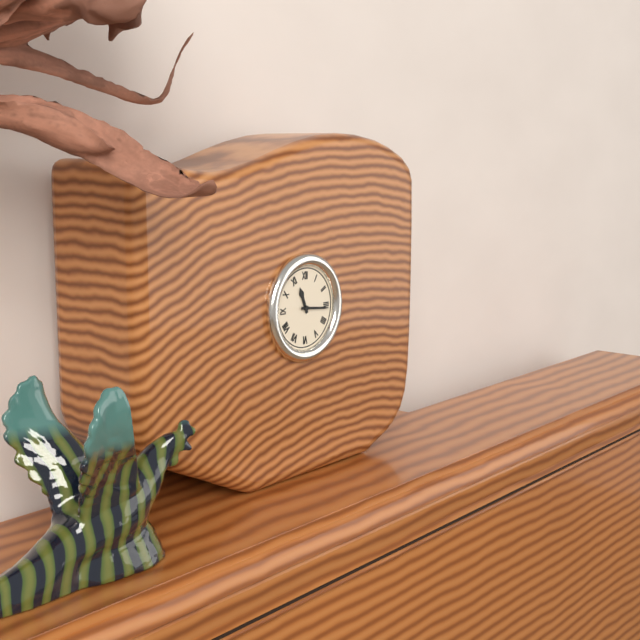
11:16
